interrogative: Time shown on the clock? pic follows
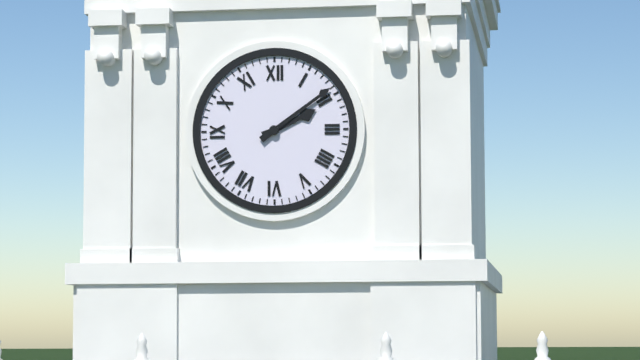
2:09
